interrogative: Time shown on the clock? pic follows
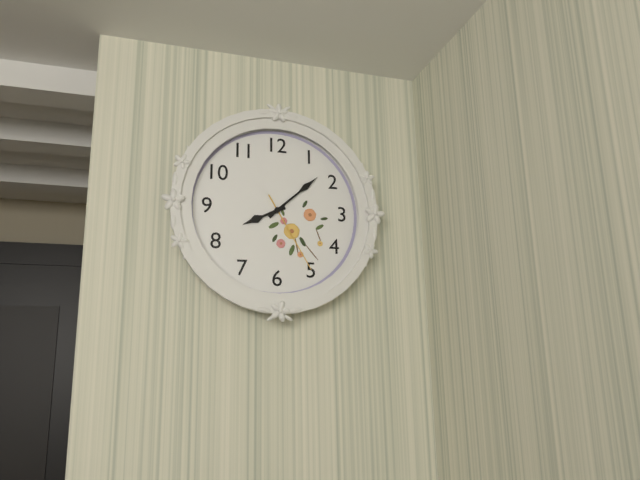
8:08:25
